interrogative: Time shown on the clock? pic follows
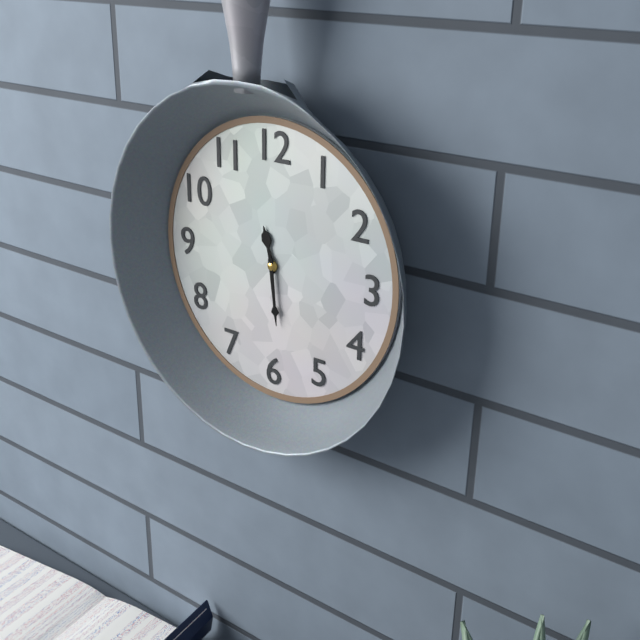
11:29
